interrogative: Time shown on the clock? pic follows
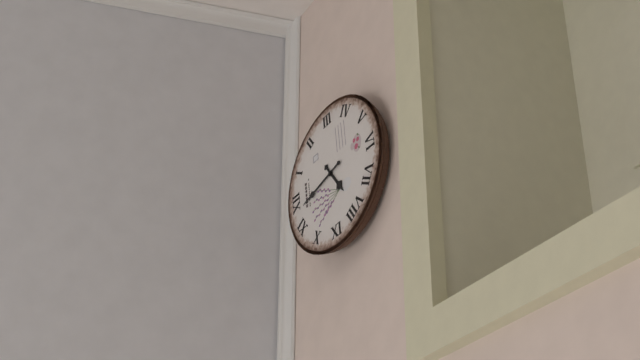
7:58
